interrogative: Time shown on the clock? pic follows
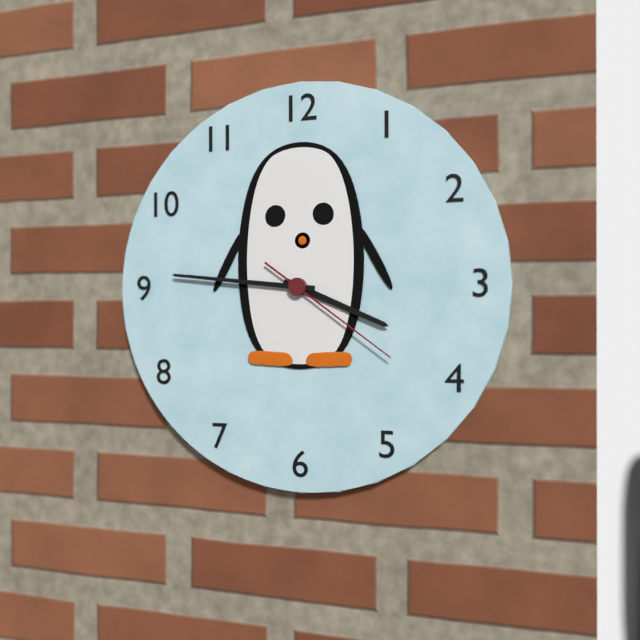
3:46:21
